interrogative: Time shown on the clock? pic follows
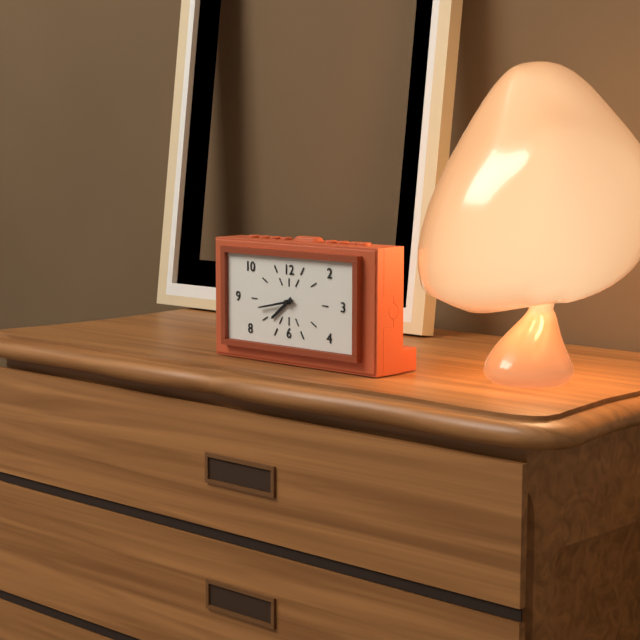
7:43
